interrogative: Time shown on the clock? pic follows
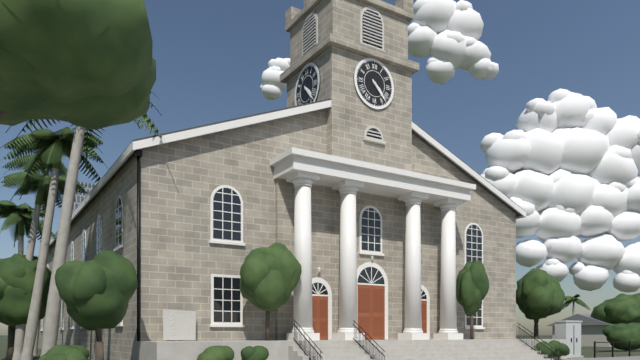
4:23
